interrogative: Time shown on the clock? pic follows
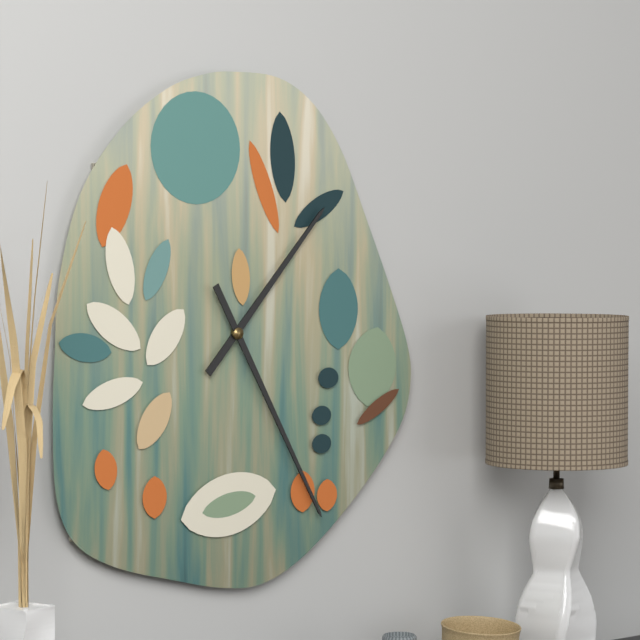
1:25
